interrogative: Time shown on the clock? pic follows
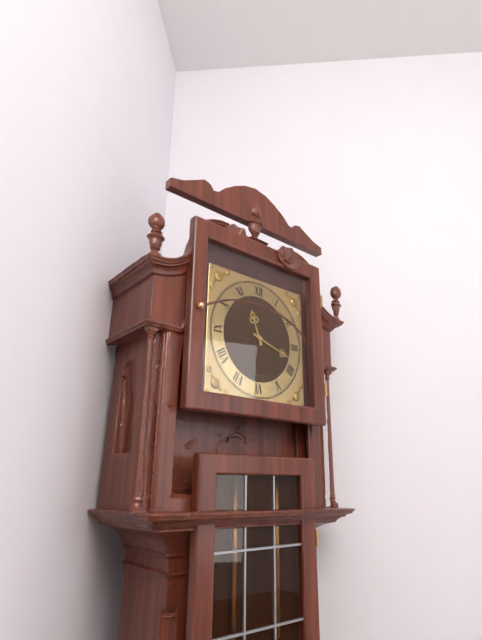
11:18
